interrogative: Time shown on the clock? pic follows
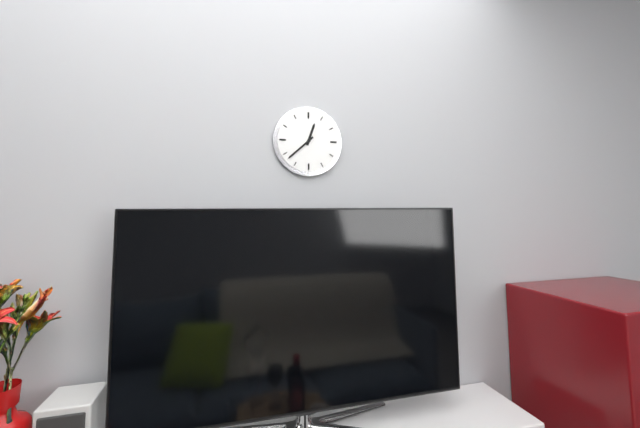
12:38
